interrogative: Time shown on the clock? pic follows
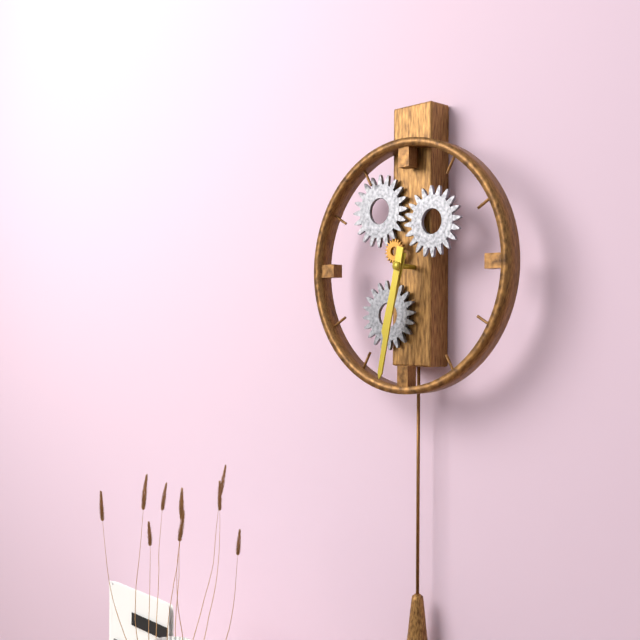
6:32
